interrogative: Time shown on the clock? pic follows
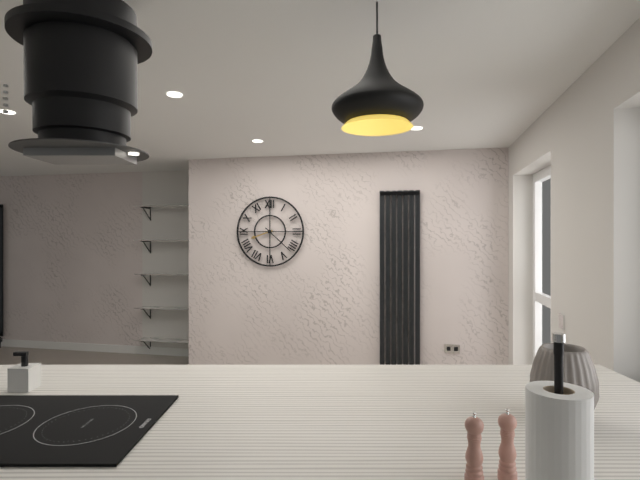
8:22
